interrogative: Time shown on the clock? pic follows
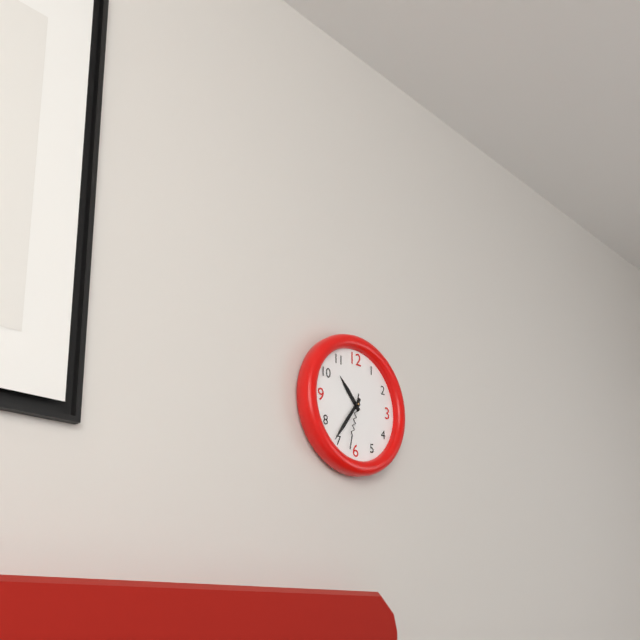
10:36:32
